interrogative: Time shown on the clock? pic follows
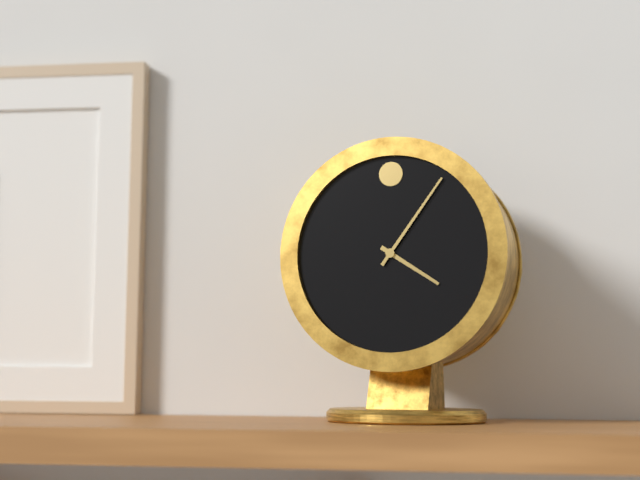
4:06
